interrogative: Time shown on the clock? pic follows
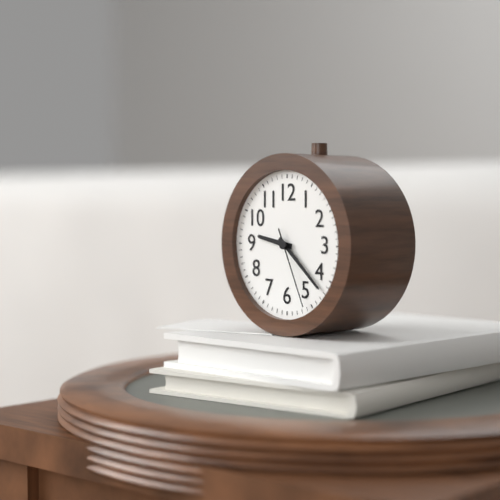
9:22:26
